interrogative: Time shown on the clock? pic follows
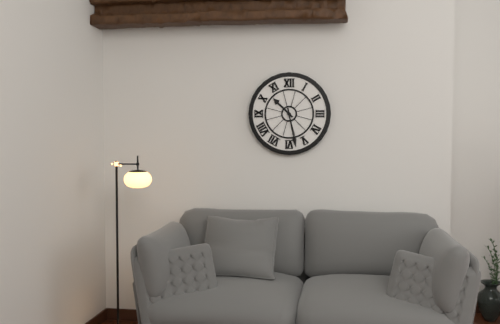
10:28
